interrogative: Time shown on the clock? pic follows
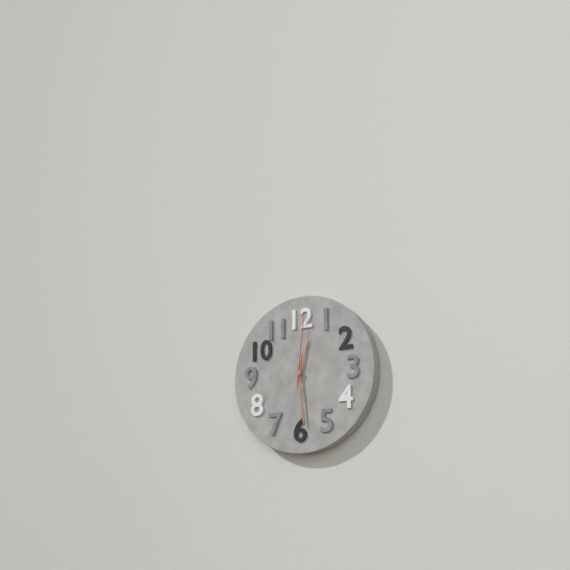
12:29:01
